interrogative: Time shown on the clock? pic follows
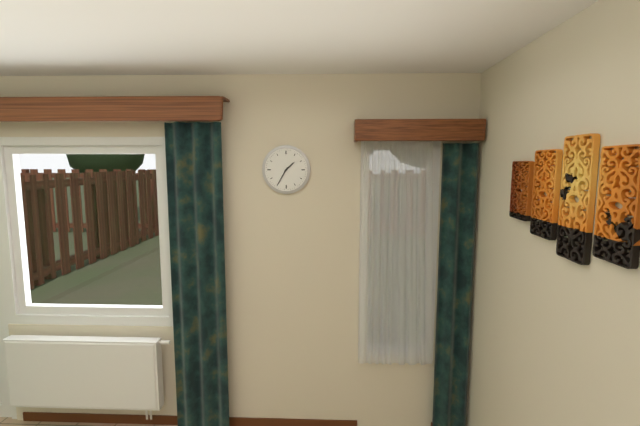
1:35
